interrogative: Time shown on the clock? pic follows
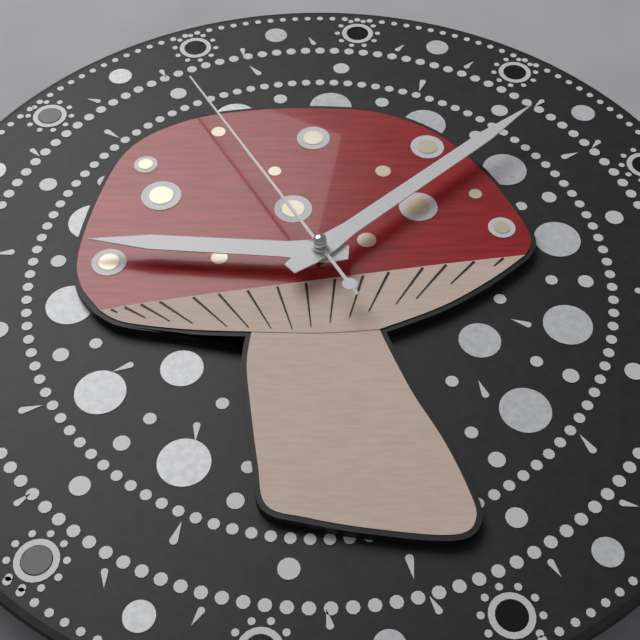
9:08:55
